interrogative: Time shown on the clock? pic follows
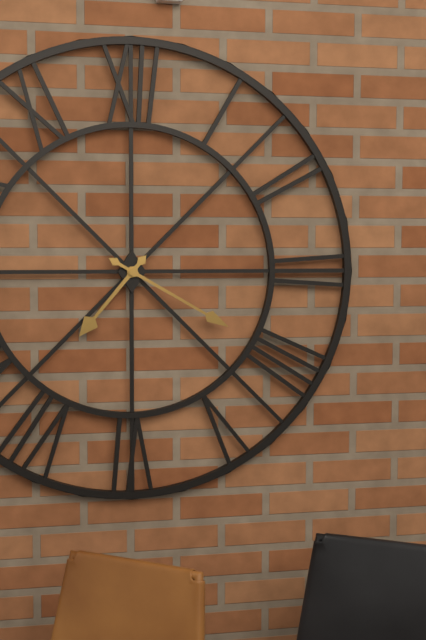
7:20
